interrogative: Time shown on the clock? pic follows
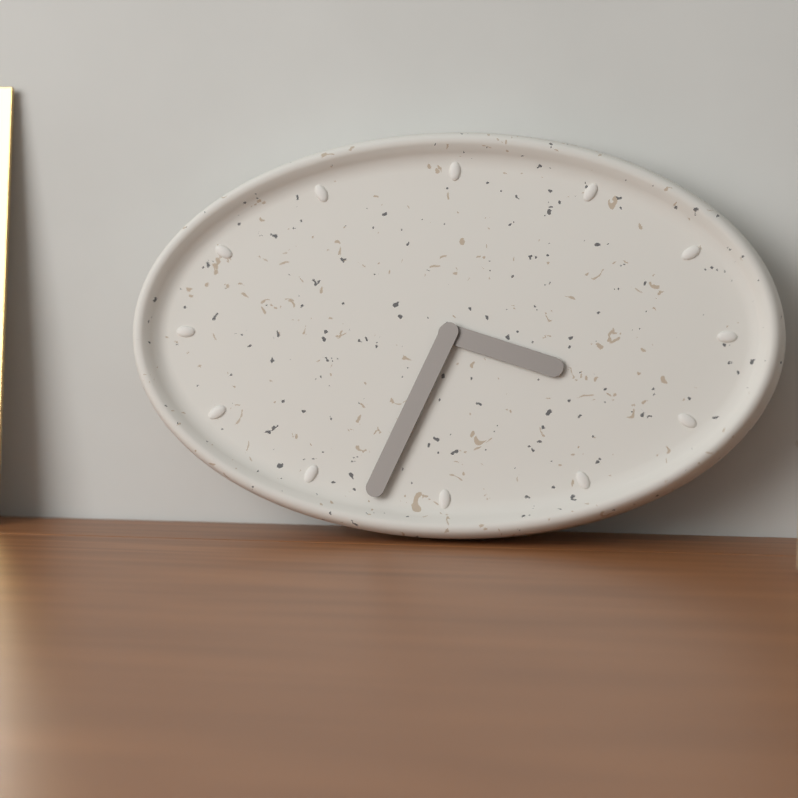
3:34
